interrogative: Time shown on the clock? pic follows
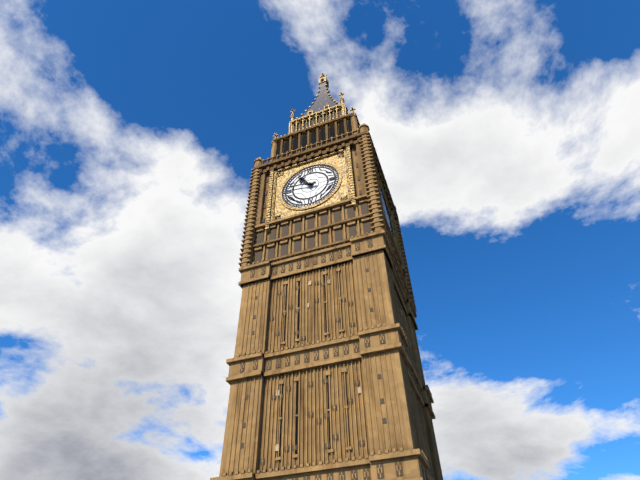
10:47
